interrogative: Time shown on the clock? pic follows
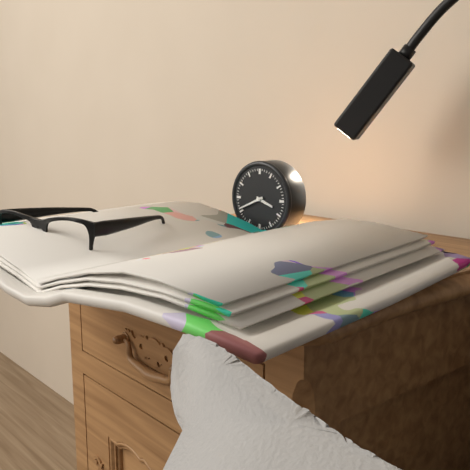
3:41
